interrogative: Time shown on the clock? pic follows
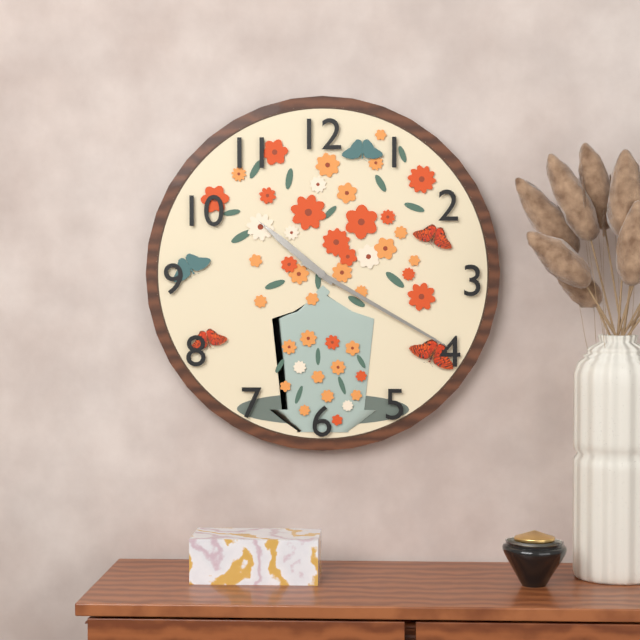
10:20
